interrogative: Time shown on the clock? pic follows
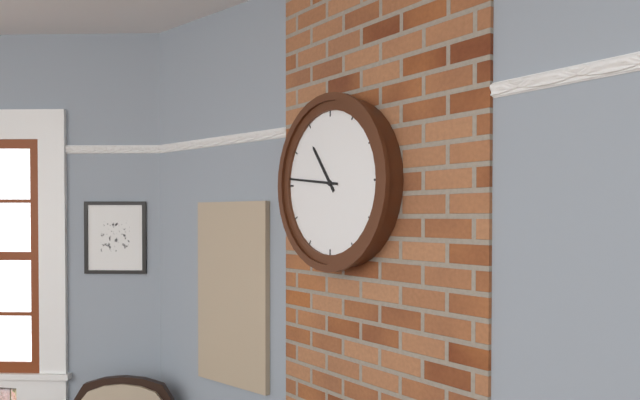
10:46
